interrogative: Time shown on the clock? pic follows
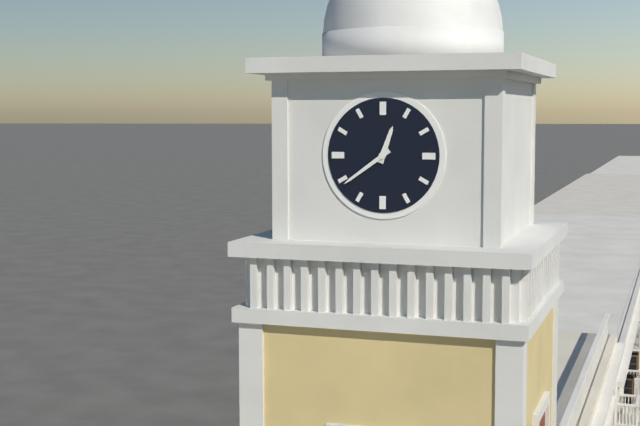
12:39
